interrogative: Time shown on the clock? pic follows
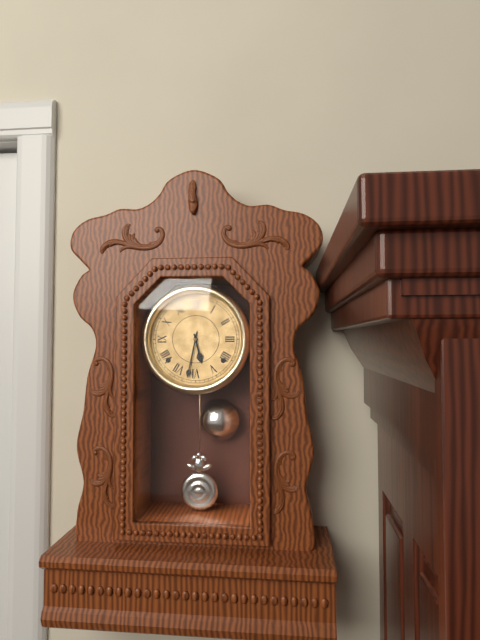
5:32
